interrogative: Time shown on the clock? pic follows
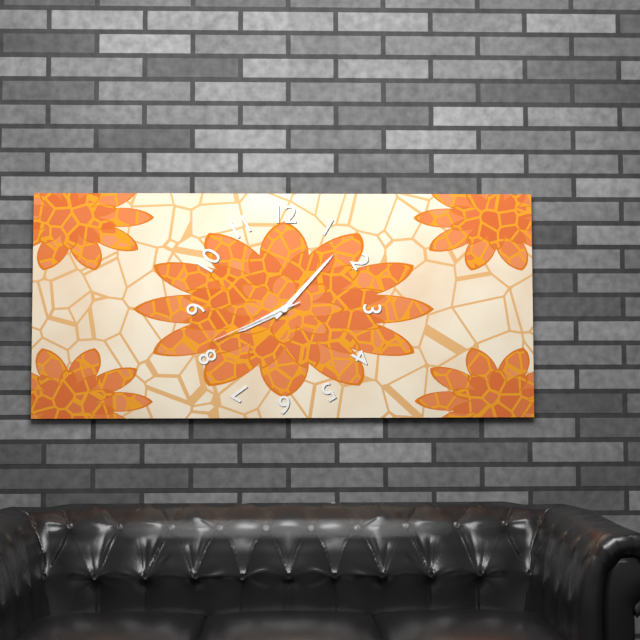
8:07:41
